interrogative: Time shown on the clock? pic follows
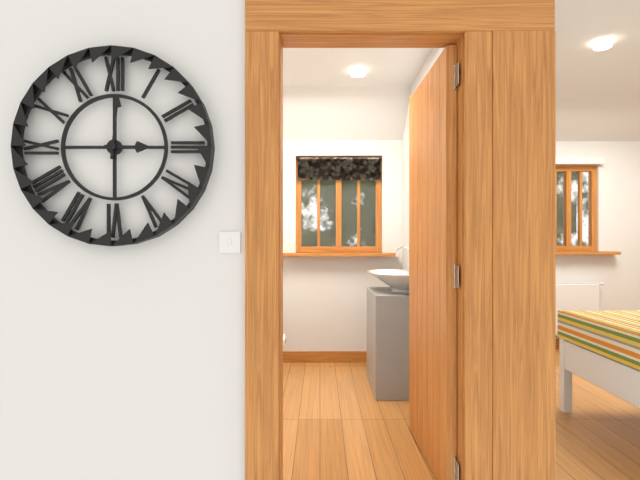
3:01
